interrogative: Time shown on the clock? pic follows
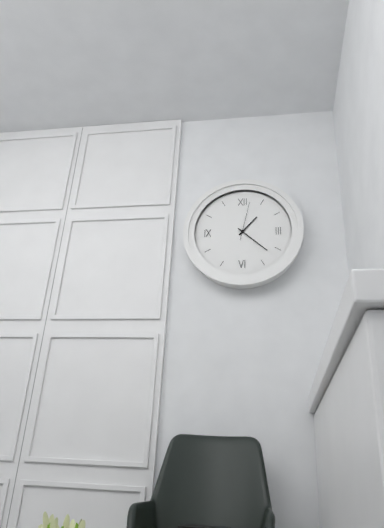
1:22
